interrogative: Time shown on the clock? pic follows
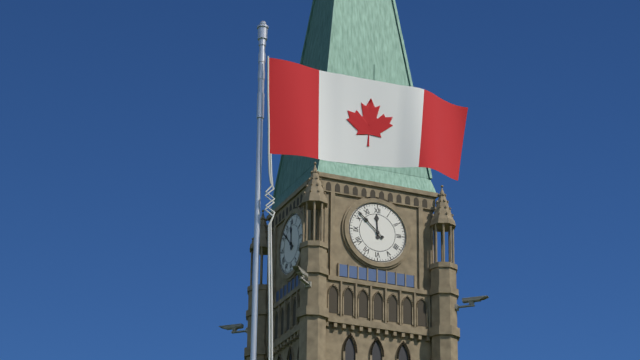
11:52
